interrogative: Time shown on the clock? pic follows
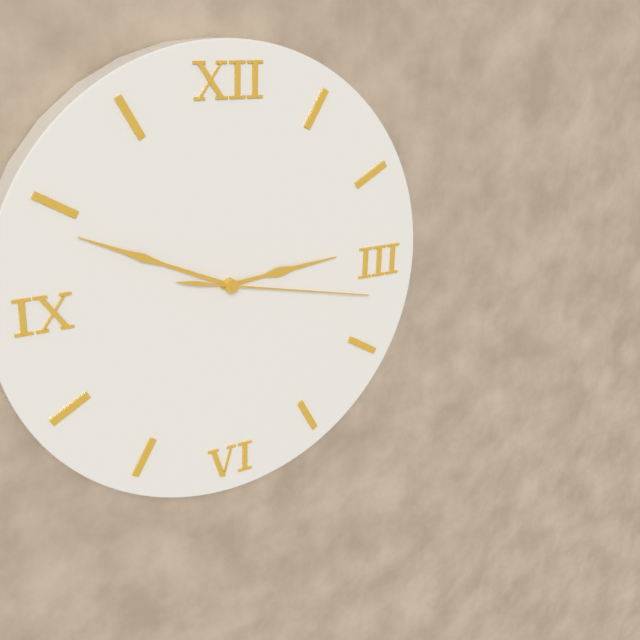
2:49:17
